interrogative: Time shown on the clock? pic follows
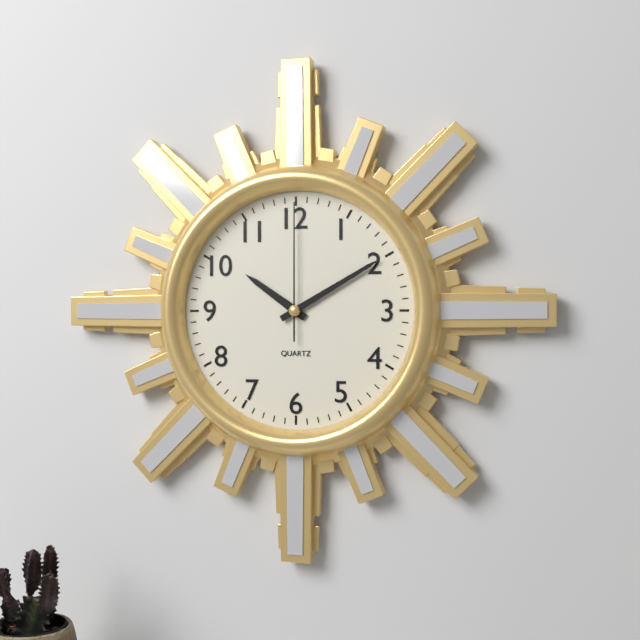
10:10:00
